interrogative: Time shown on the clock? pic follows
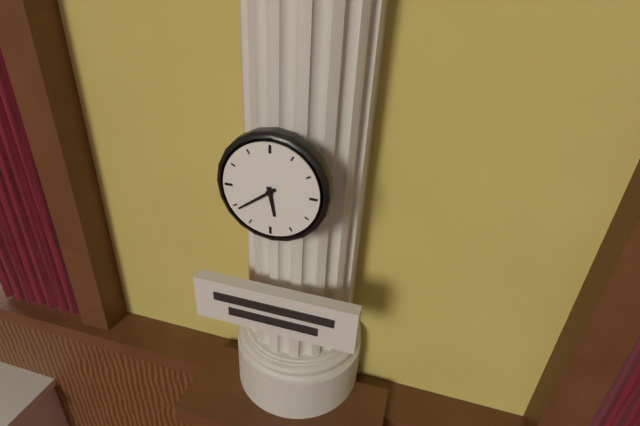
5:39
